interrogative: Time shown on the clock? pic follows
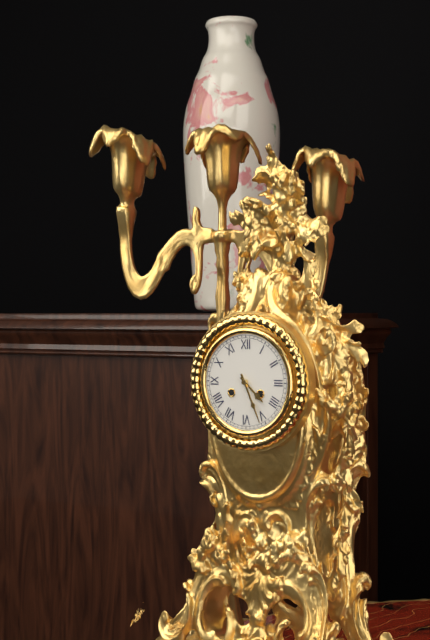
4:26
